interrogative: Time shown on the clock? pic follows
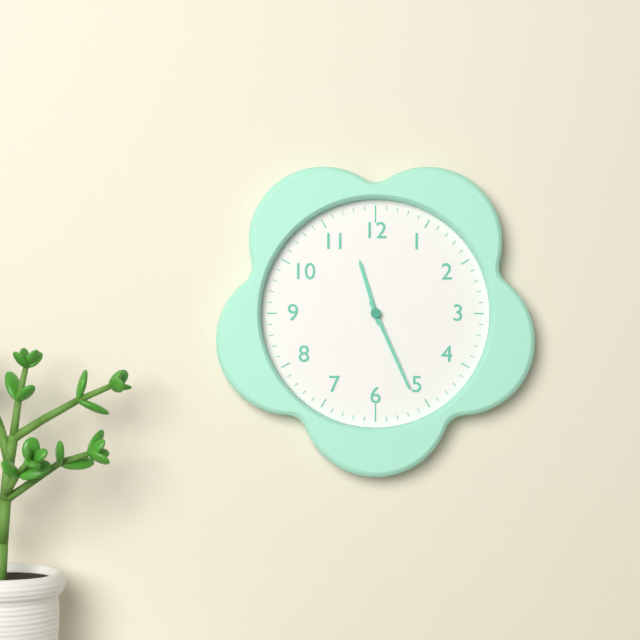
11:26
